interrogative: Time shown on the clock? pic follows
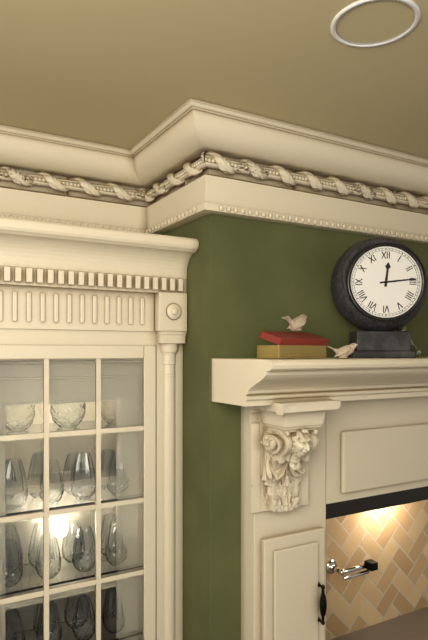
12:14
